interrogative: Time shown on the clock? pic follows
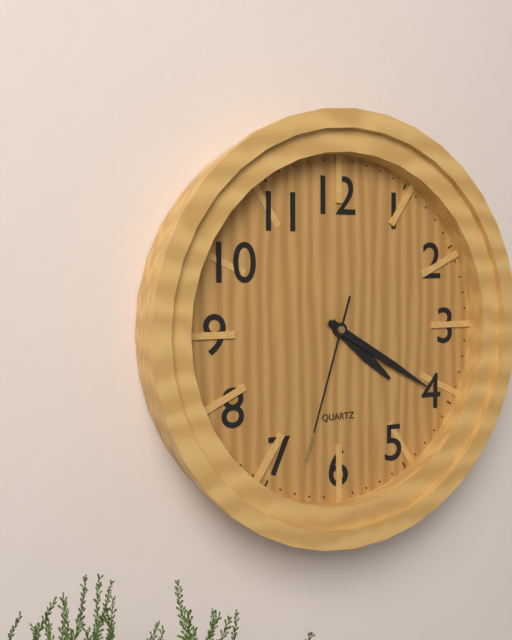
4:20:33
